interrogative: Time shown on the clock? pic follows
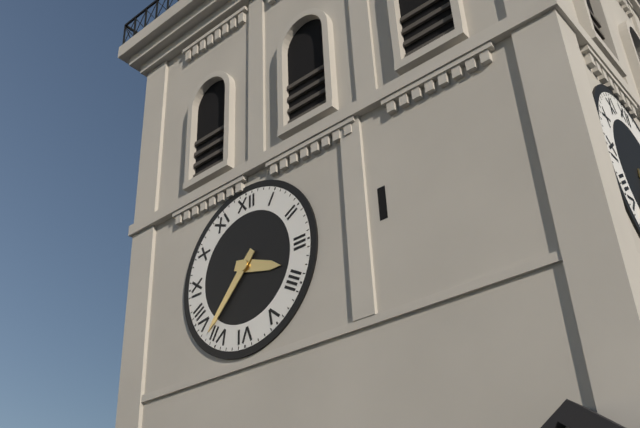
3:37
